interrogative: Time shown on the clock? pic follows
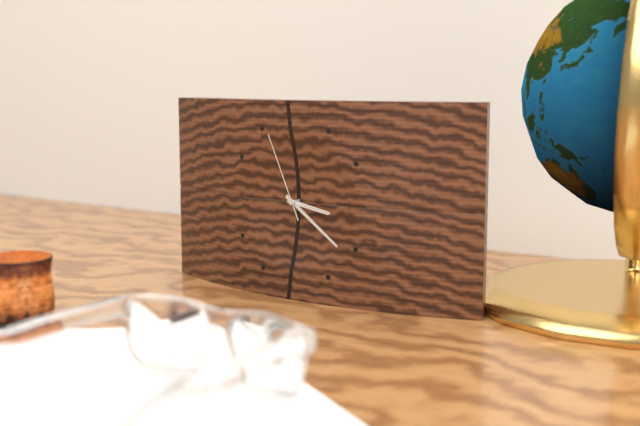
3:21:56
